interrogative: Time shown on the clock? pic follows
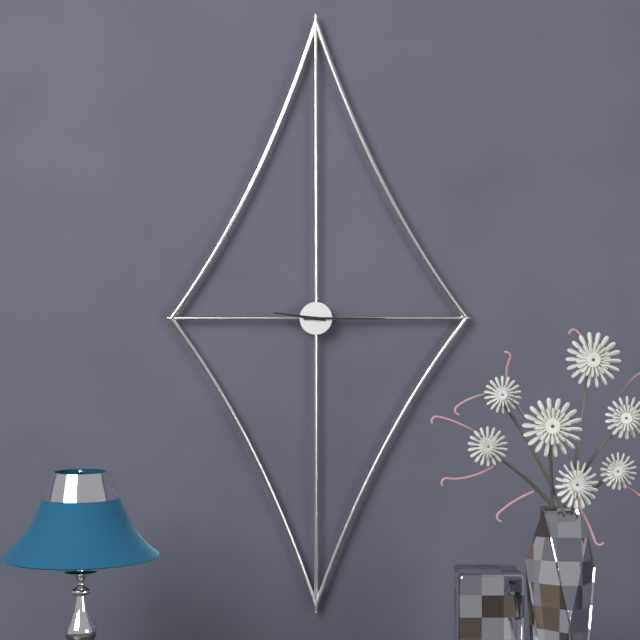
9:15
